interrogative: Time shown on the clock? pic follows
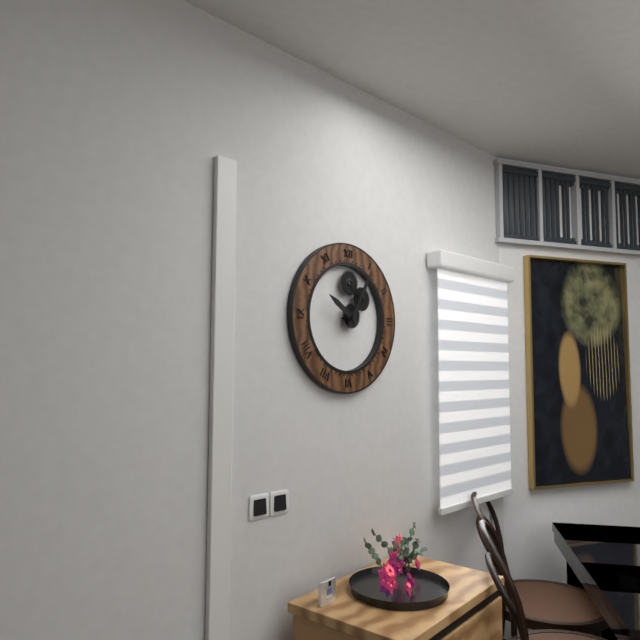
10:05
